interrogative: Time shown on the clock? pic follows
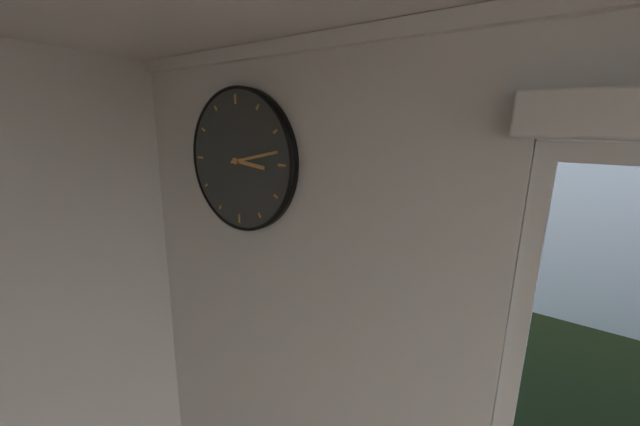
3:13
